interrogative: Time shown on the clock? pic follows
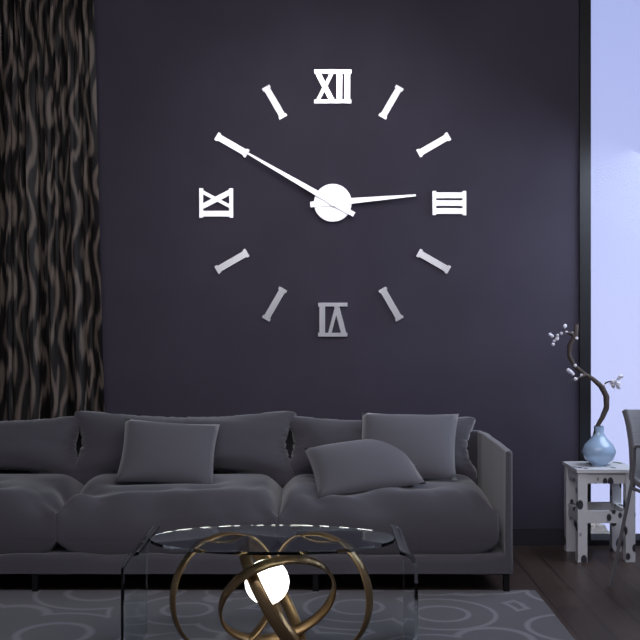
2:50
